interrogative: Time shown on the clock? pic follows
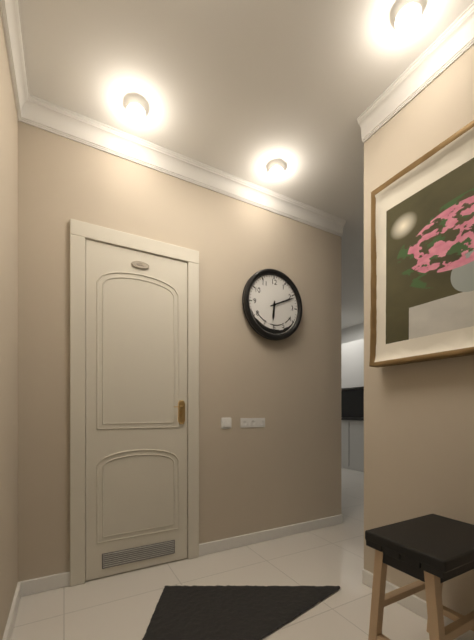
6:11
